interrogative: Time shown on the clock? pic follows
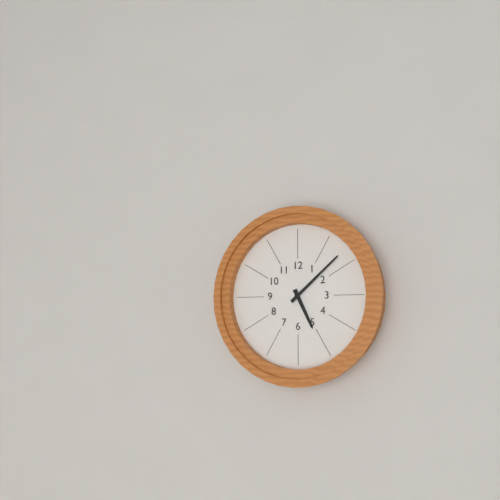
5:08
